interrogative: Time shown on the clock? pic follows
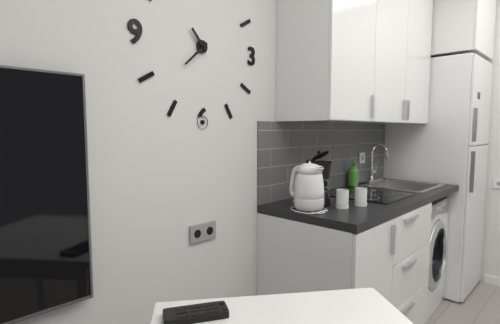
10:38
